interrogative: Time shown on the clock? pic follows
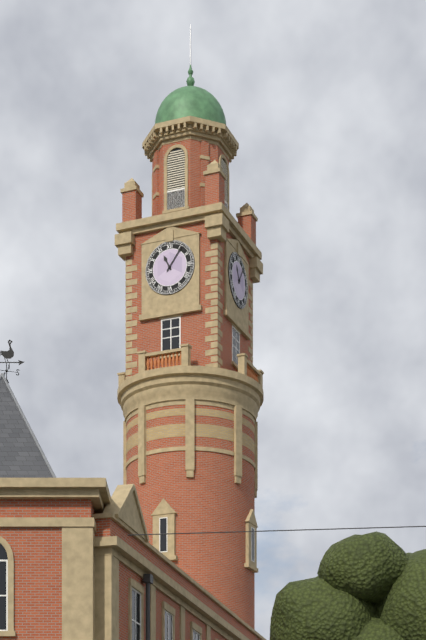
11:06
